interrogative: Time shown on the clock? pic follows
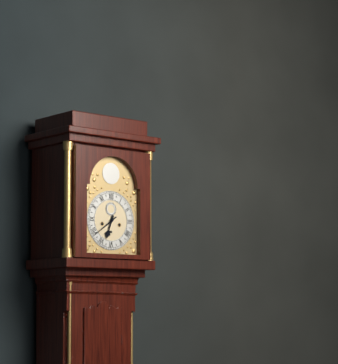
6:39
